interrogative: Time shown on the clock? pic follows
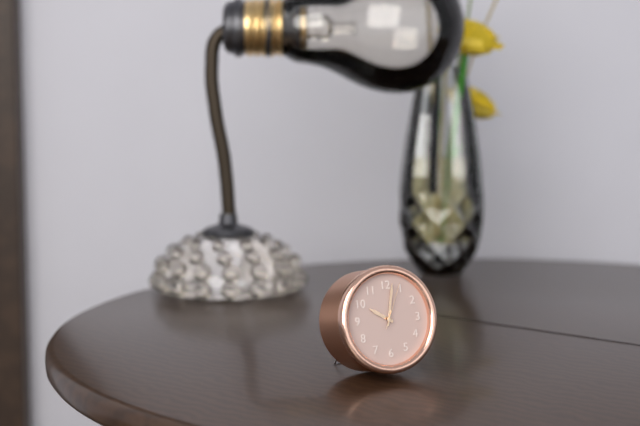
10:02
